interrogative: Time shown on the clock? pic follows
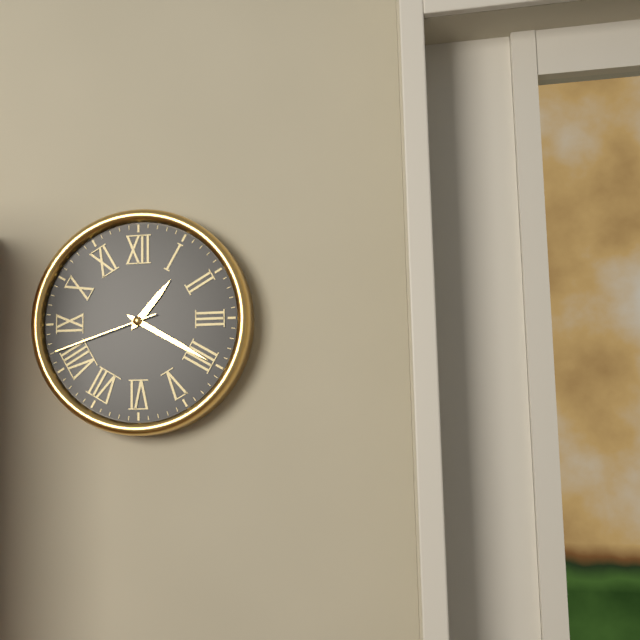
1:20:42
